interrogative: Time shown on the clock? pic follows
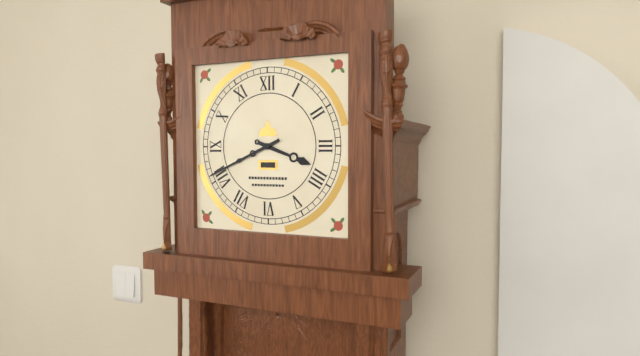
3:41
